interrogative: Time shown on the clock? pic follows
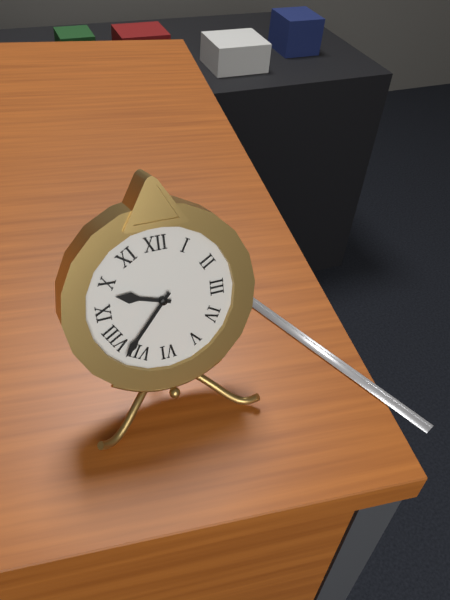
9:37
